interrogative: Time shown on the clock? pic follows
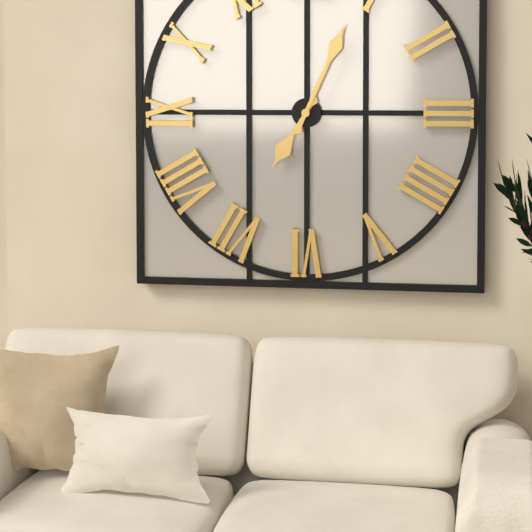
7:04
